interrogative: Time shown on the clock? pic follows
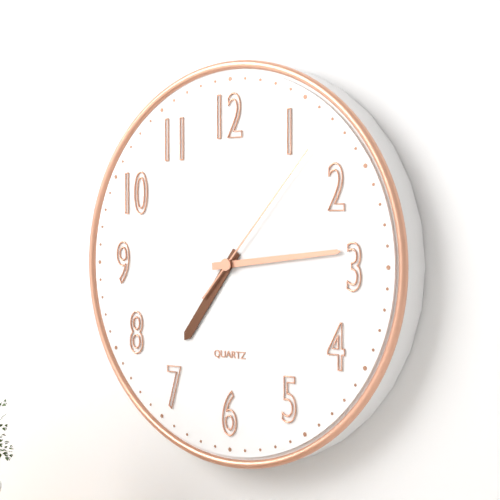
7:14:07
